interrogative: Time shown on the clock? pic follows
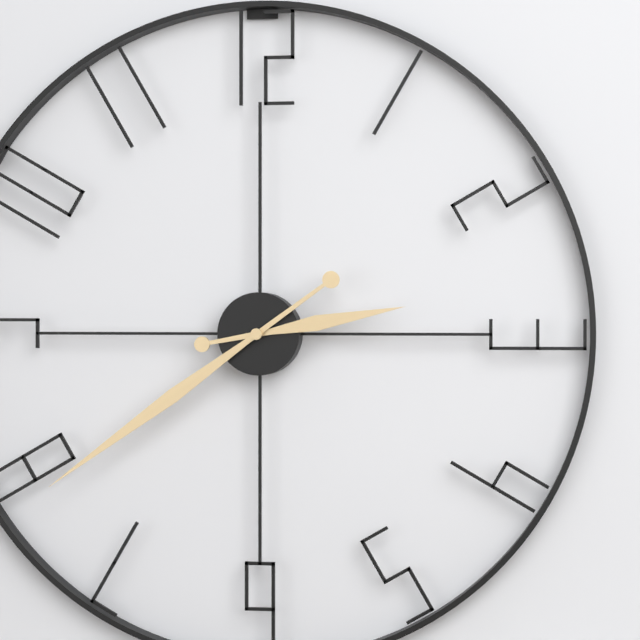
2:39
